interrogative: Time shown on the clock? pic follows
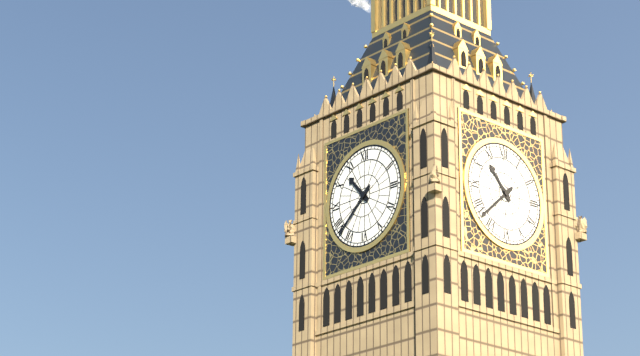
10:38
